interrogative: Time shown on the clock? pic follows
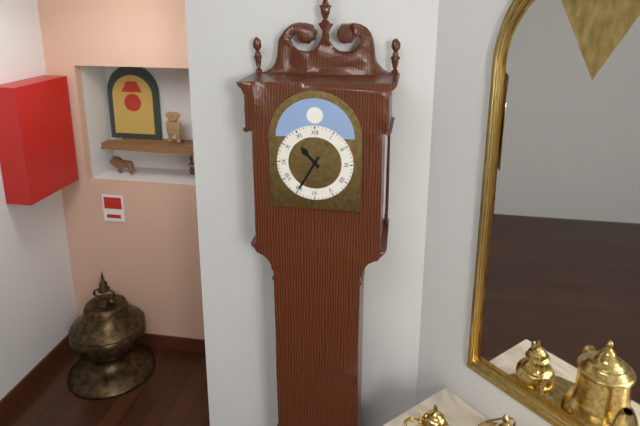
10:35
